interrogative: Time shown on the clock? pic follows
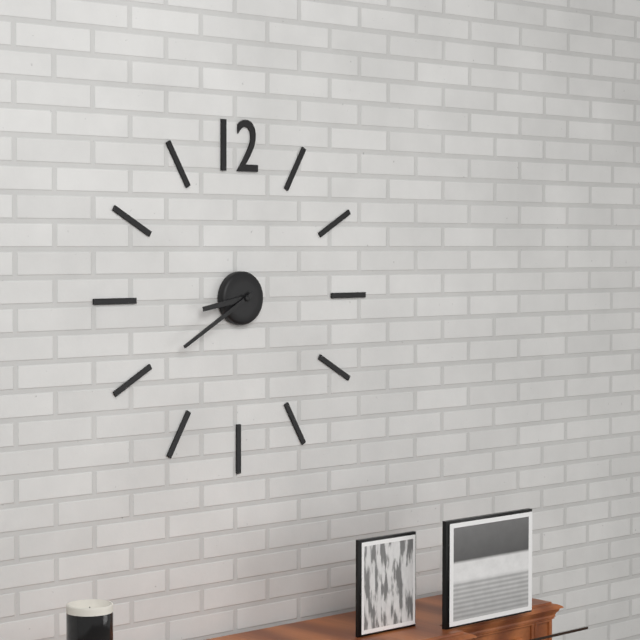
8:40
